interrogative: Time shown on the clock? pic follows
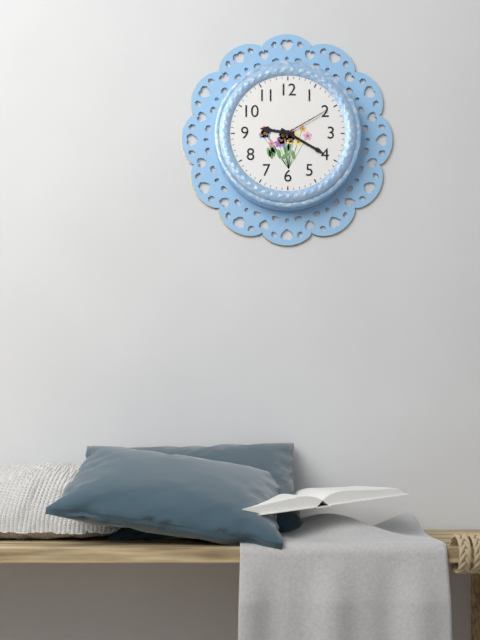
9:20:10
